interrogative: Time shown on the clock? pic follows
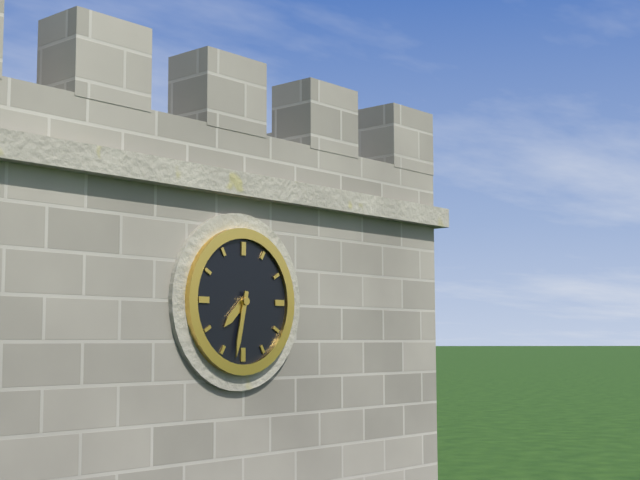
7:32
